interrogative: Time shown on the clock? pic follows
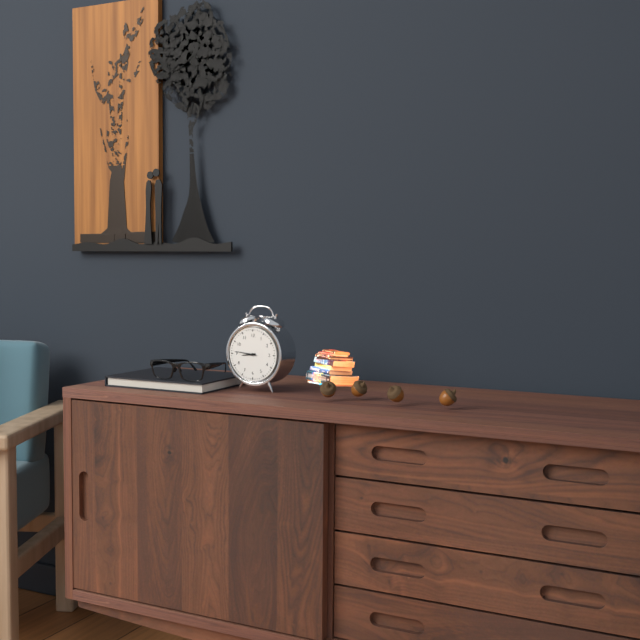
8:46
